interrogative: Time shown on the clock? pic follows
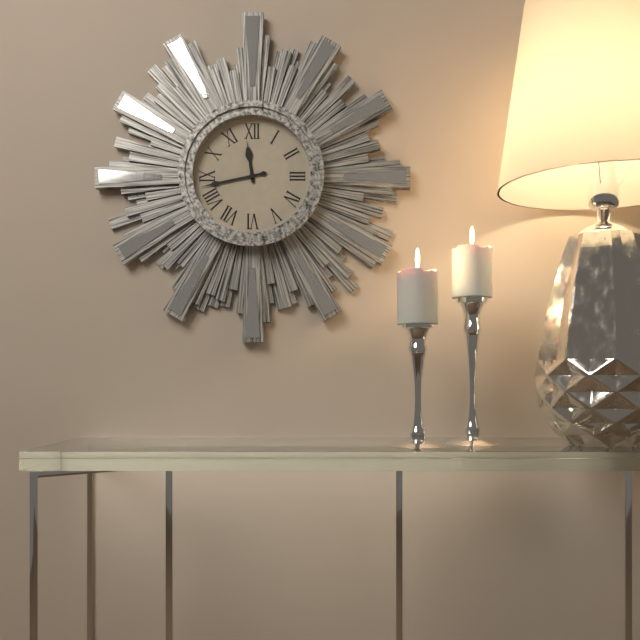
11:43
